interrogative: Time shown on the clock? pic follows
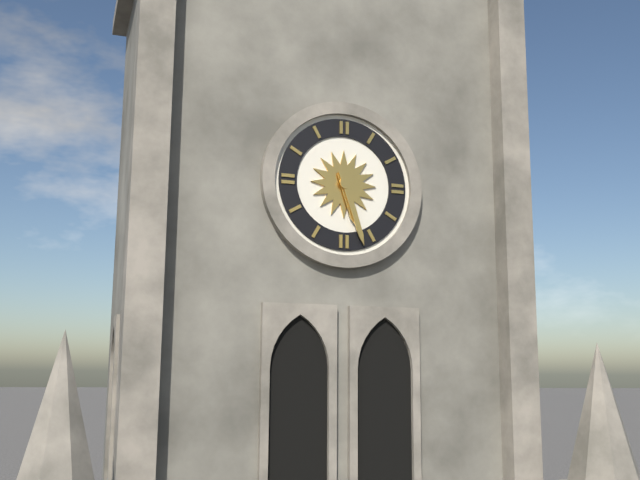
5:27
